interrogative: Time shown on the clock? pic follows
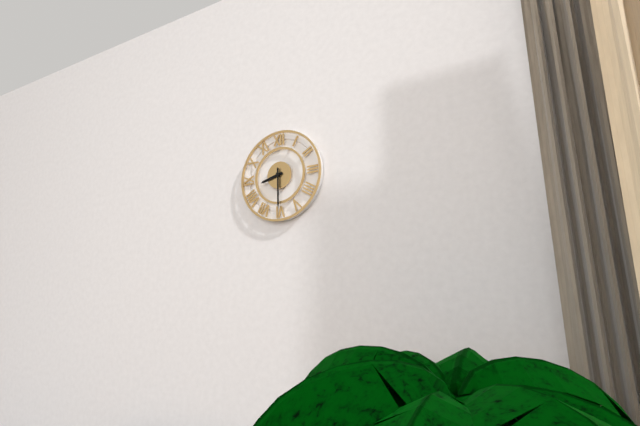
8:30
